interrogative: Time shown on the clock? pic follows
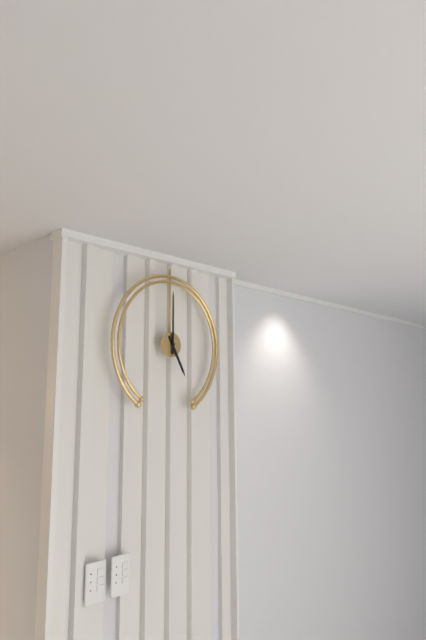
5:00
